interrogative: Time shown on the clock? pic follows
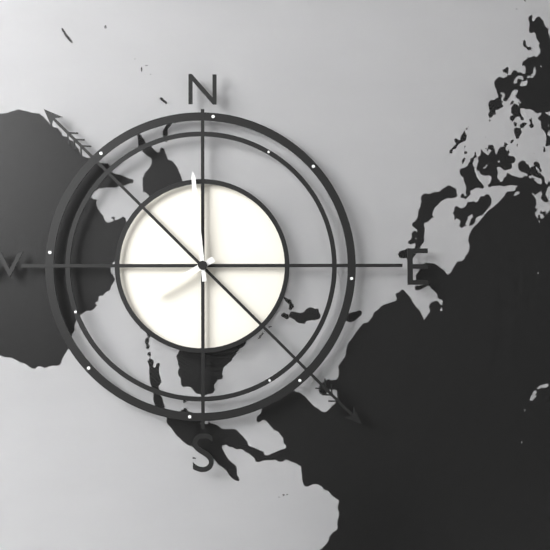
7:59
